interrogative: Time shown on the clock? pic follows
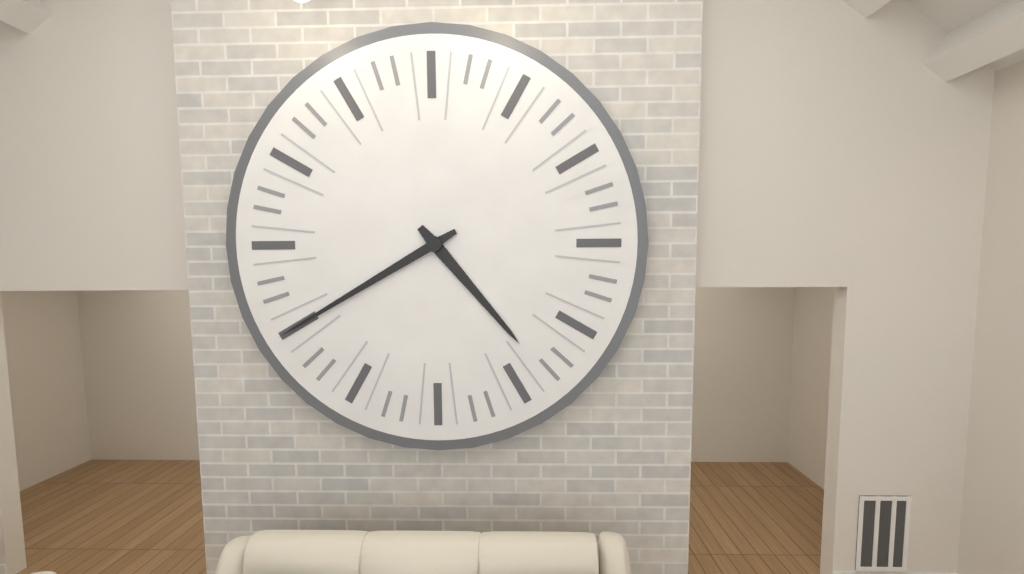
4:40
